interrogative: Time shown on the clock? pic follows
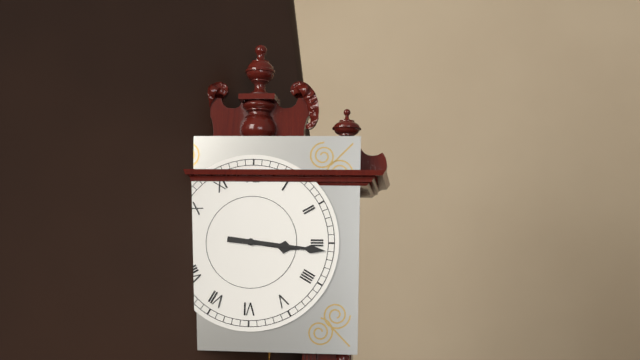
3:16
